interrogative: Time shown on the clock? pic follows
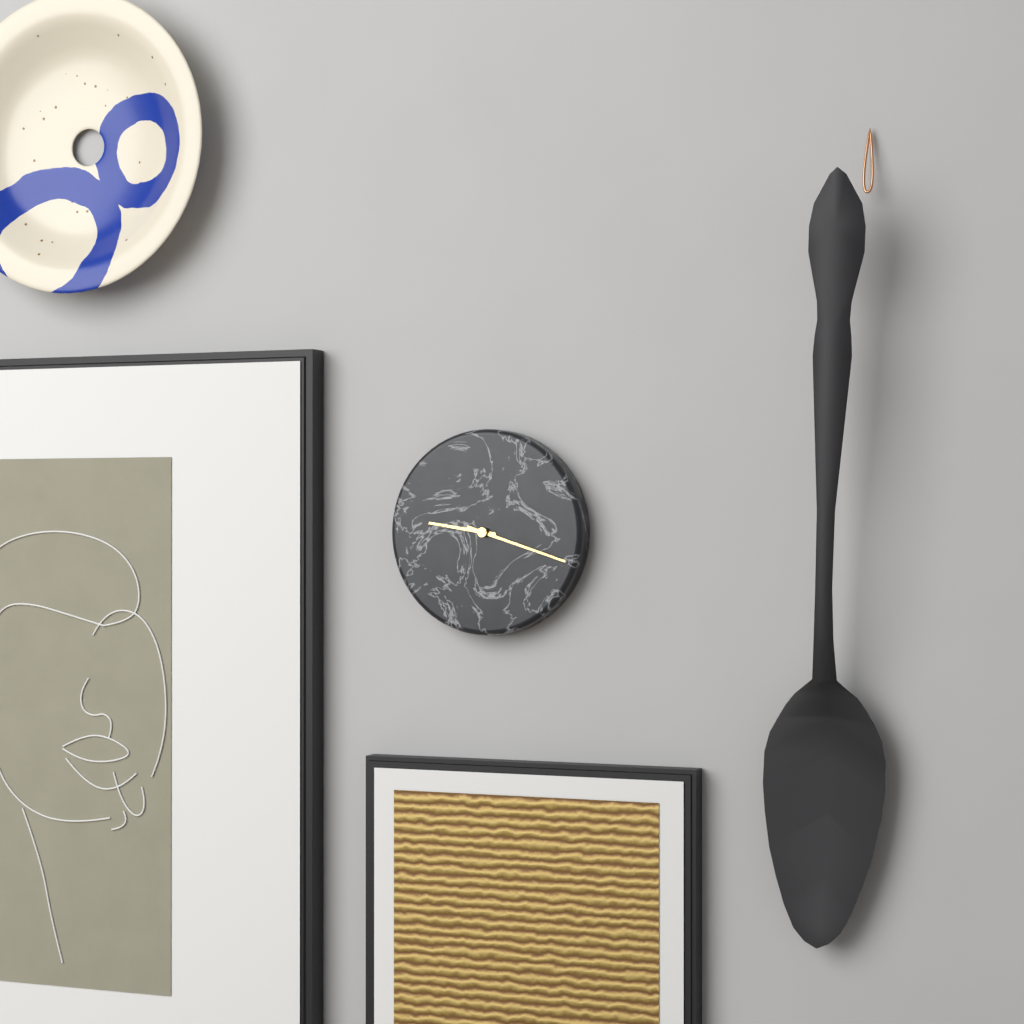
9:18
